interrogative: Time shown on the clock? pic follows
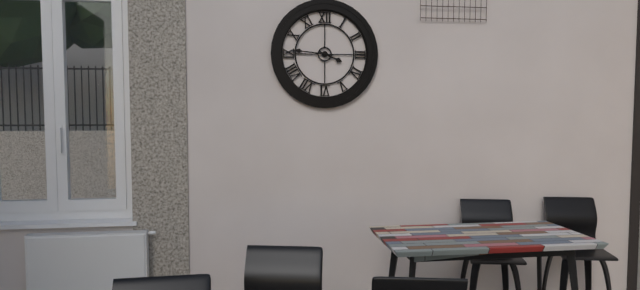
3:46
